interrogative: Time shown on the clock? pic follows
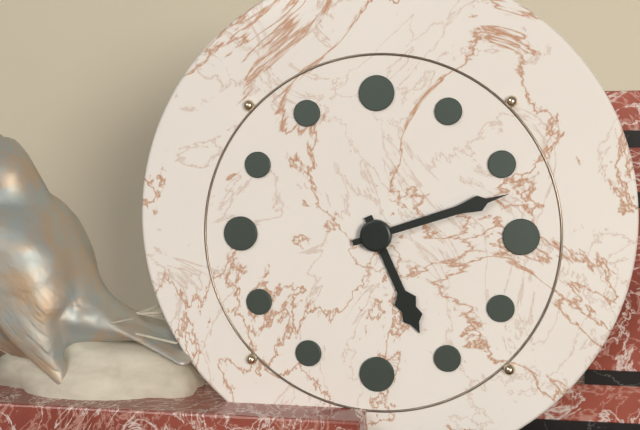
5:12
